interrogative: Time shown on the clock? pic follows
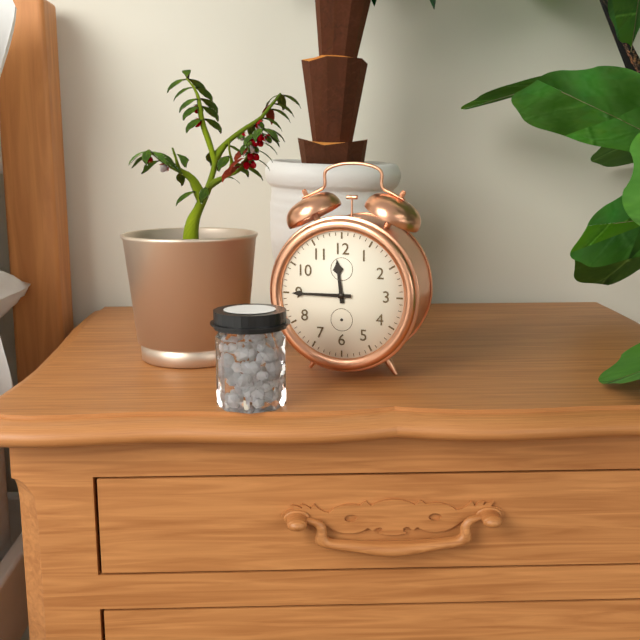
11:45
